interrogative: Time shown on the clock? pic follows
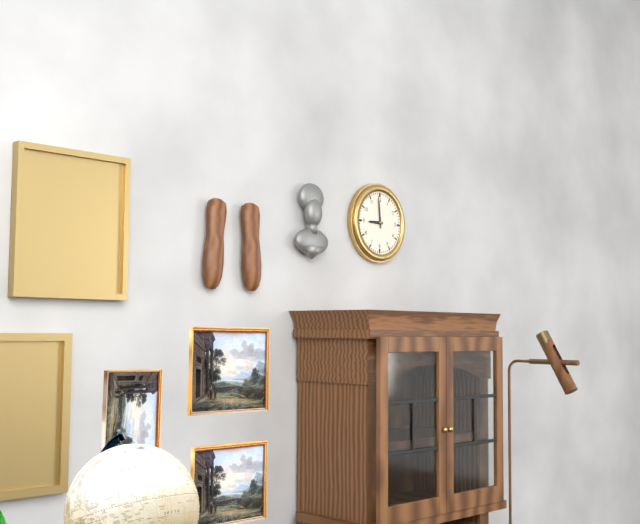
8:59
